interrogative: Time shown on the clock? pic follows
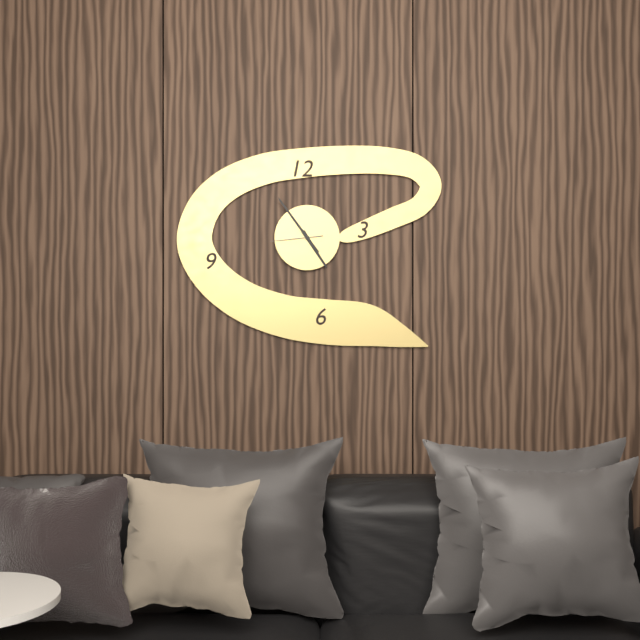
4:54
